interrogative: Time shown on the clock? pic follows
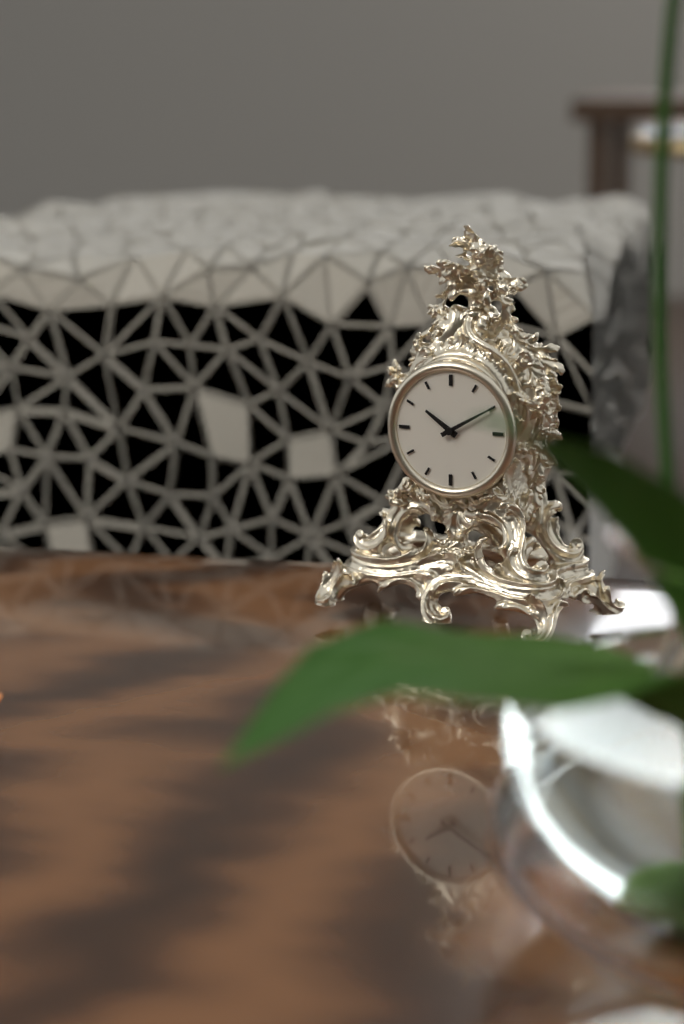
10:10
